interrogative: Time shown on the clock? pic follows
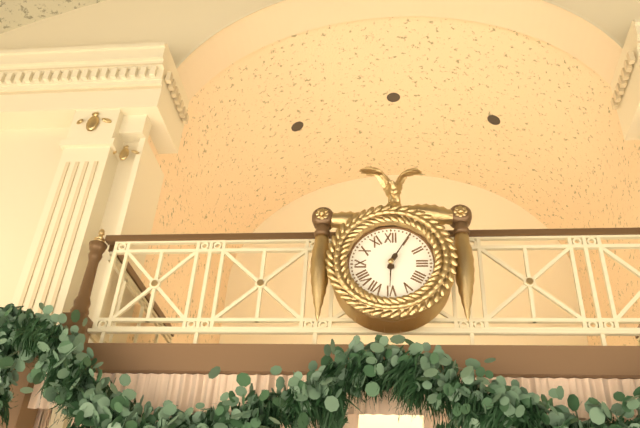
6:05
